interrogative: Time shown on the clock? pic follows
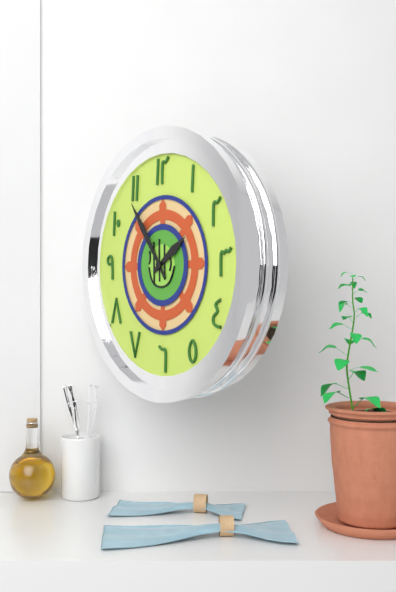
1:54
